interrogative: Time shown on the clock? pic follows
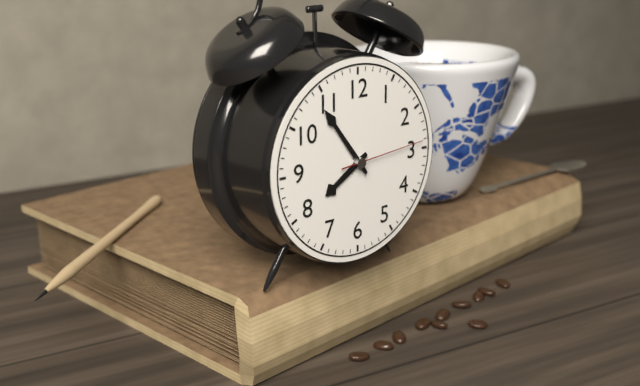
7:54:14
